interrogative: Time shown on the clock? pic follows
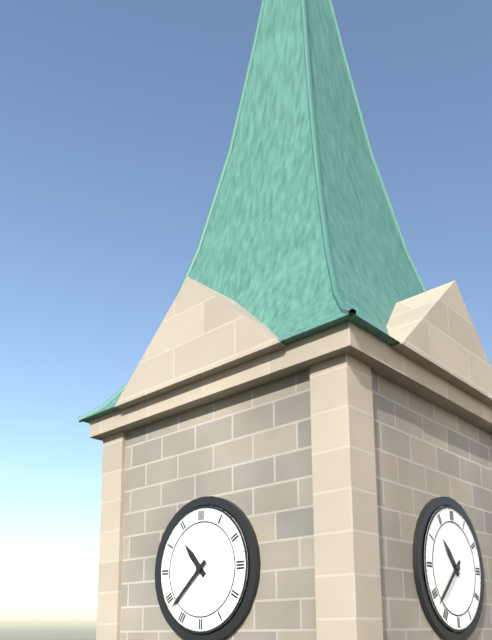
10:38
